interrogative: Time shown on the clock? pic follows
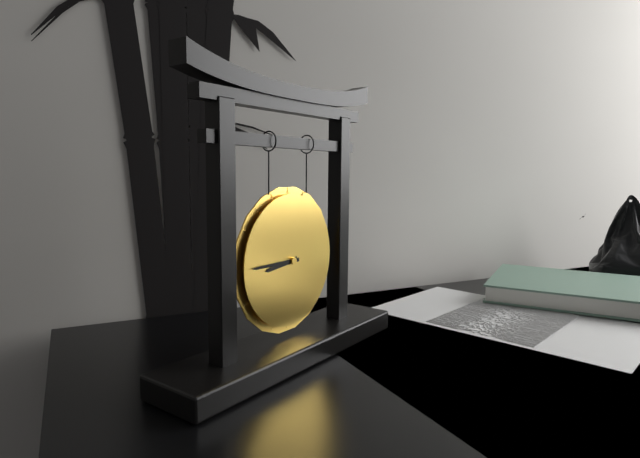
8:45
